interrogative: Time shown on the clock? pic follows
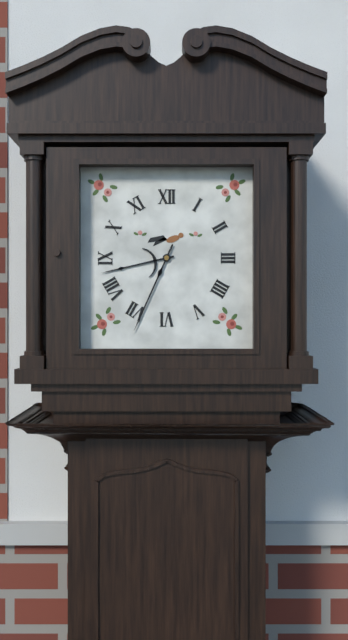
8:34
